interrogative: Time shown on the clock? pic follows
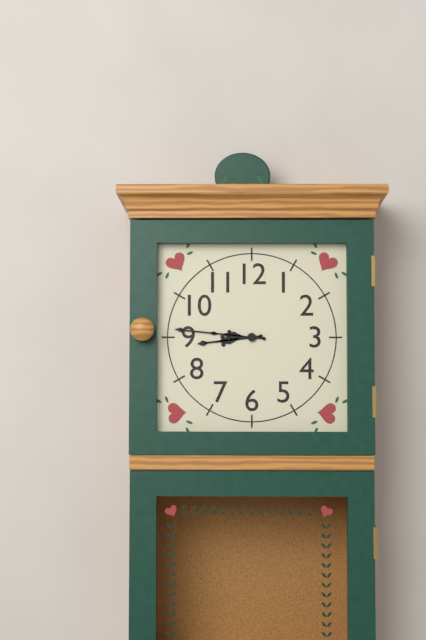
8:46
